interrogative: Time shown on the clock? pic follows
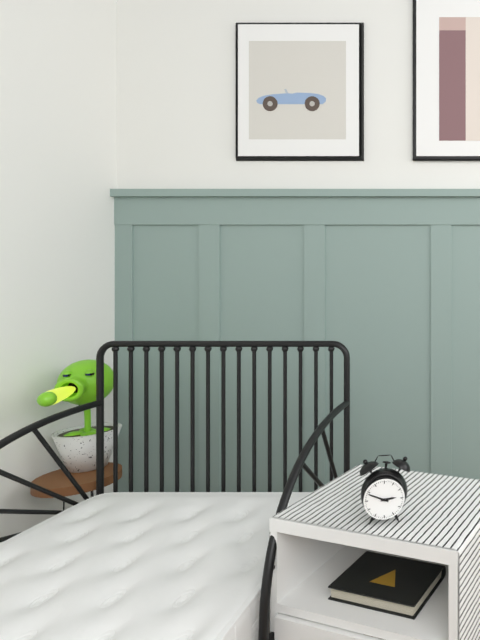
2:49
